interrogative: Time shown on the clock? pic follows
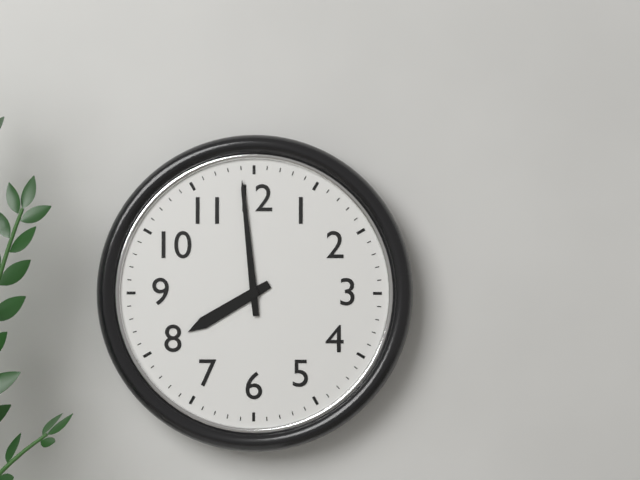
7:59
